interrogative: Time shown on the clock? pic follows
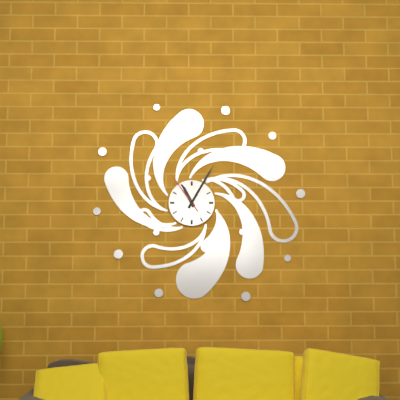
11:05
